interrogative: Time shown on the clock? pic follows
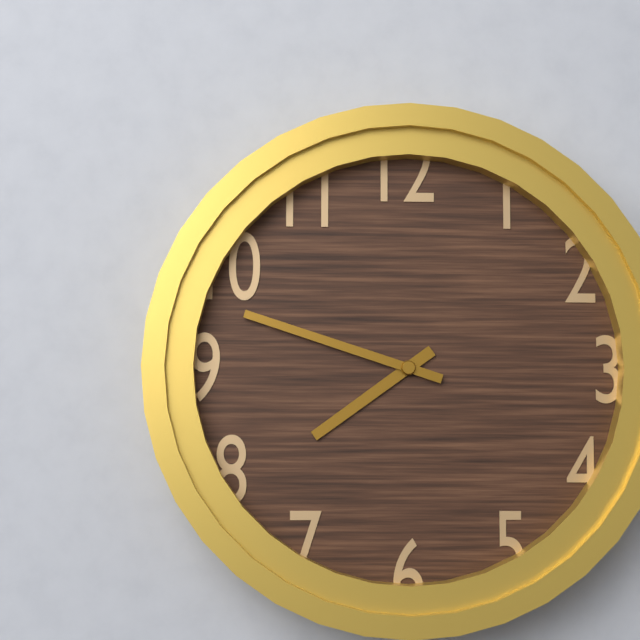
7:48
